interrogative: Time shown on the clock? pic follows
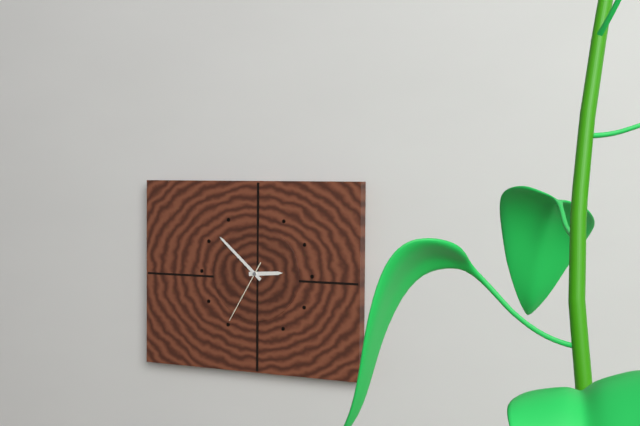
2:52:35
